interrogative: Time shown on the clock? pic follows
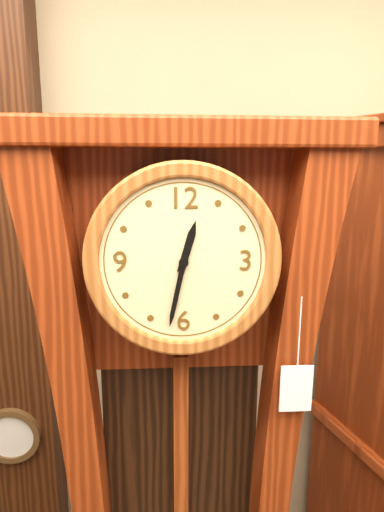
12:32
